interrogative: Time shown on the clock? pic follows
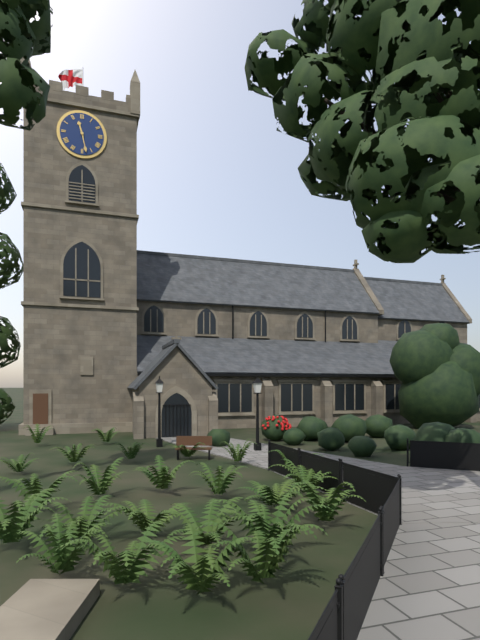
11:28
